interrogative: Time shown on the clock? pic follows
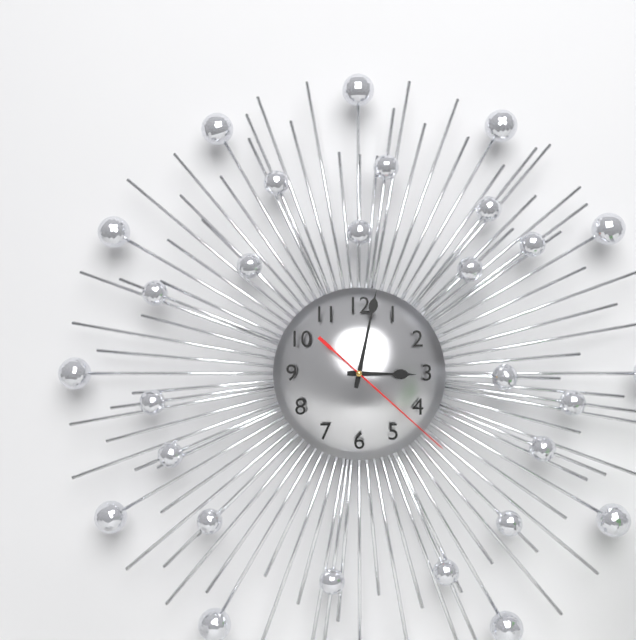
3:02:22
